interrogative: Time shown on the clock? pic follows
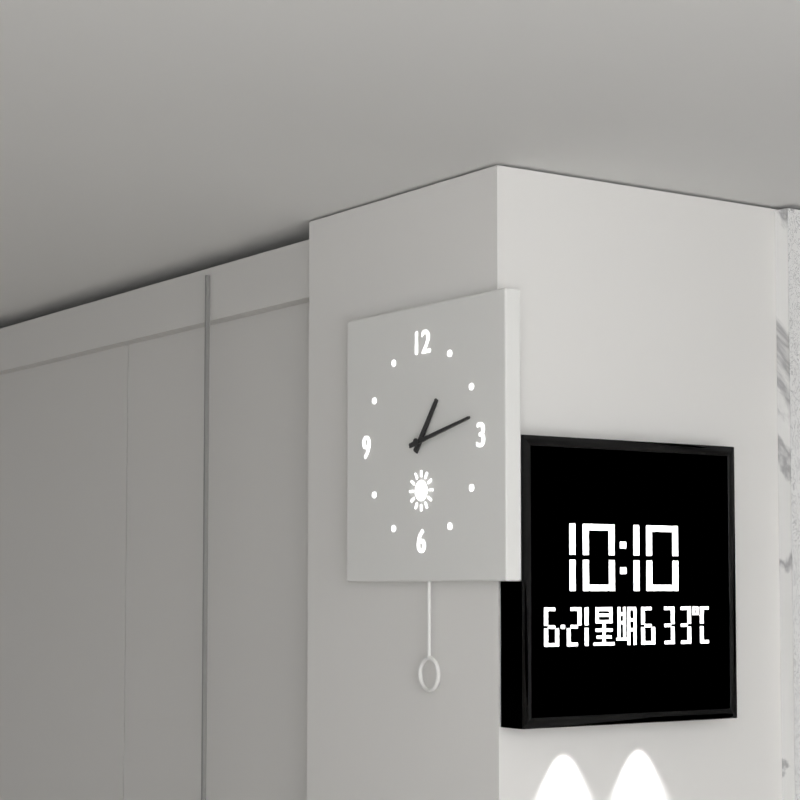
1:13
